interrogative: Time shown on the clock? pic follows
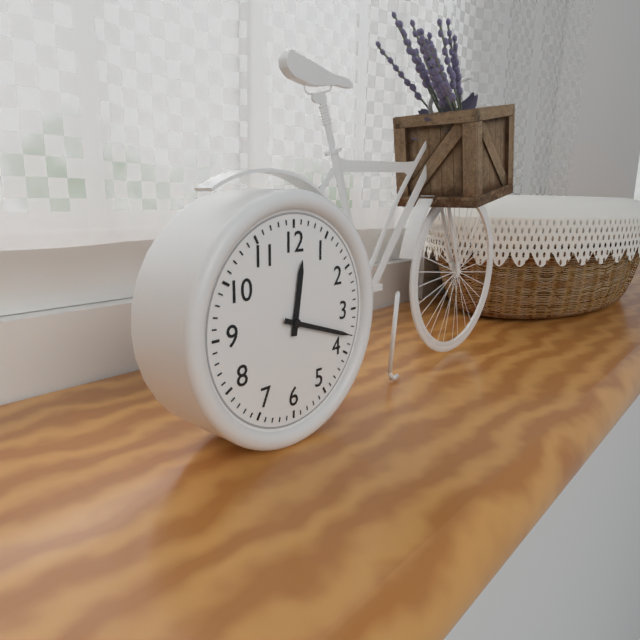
12:18
